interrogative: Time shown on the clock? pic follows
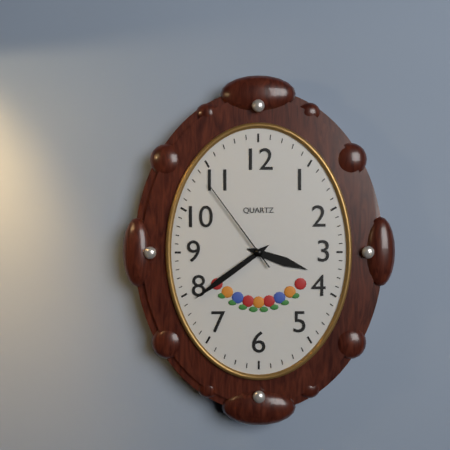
3:39:54
